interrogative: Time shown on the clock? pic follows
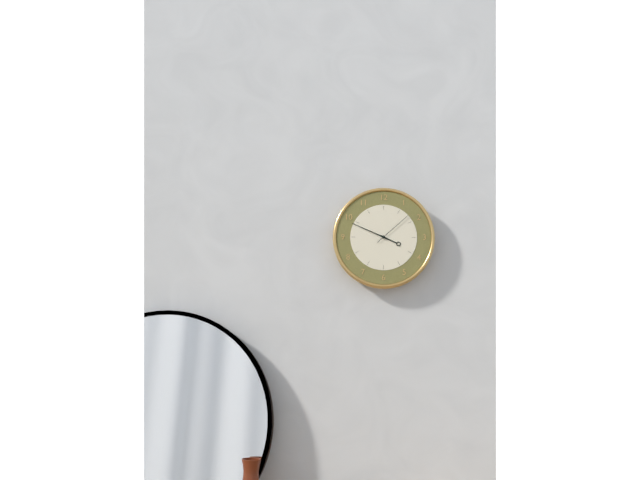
3:49
